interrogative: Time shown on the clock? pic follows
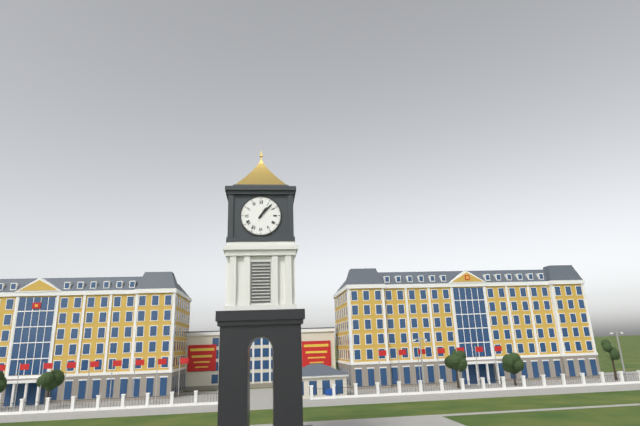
1:07
